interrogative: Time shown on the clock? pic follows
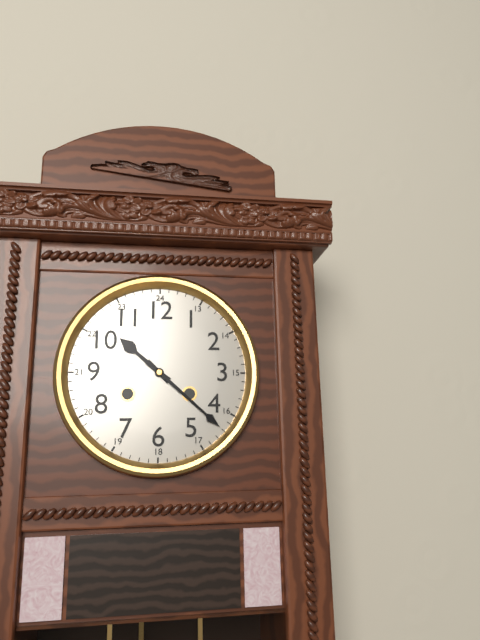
10:22
